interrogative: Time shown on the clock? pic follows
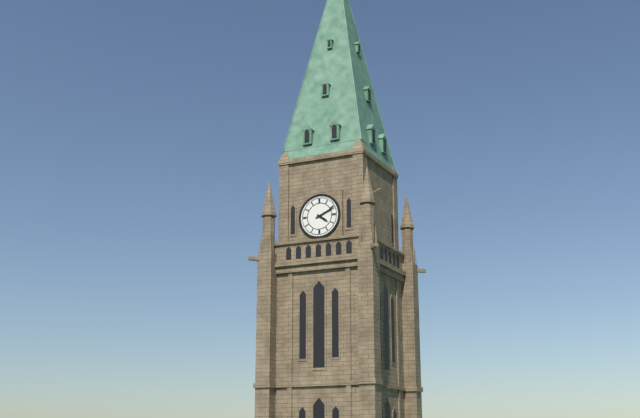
4:11
